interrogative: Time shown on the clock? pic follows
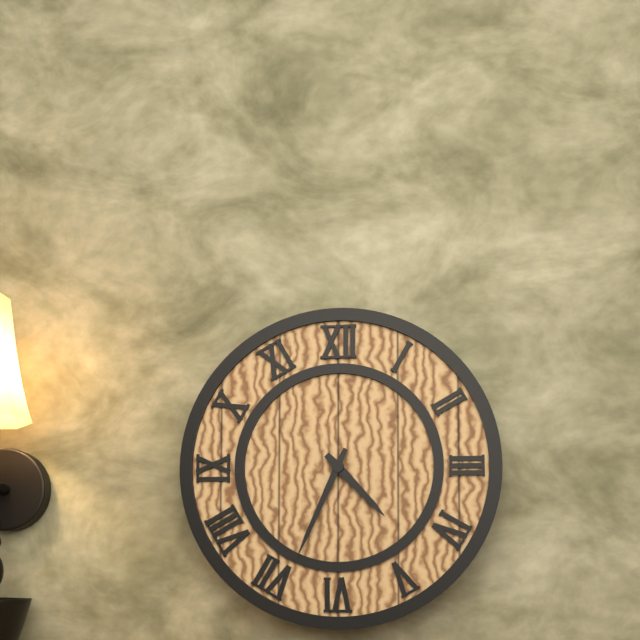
4:34
